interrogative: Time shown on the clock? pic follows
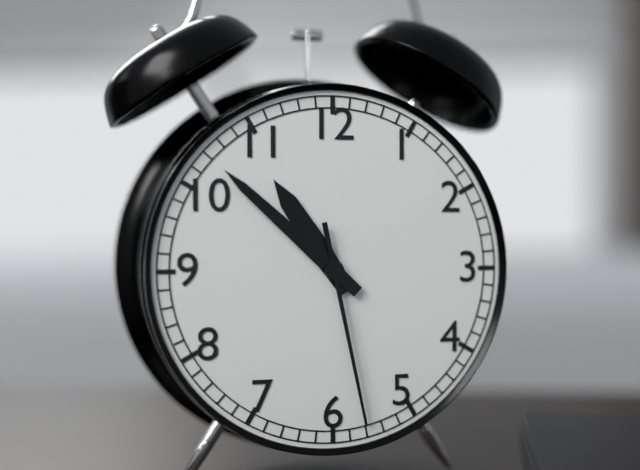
10:52:28
